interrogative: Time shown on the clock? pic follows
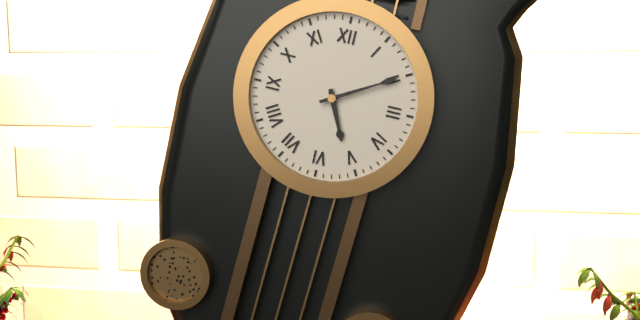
5:10
